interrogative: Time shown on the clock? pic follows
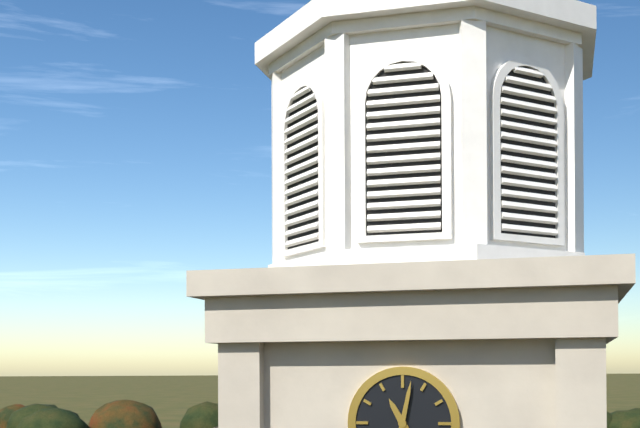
11:02
